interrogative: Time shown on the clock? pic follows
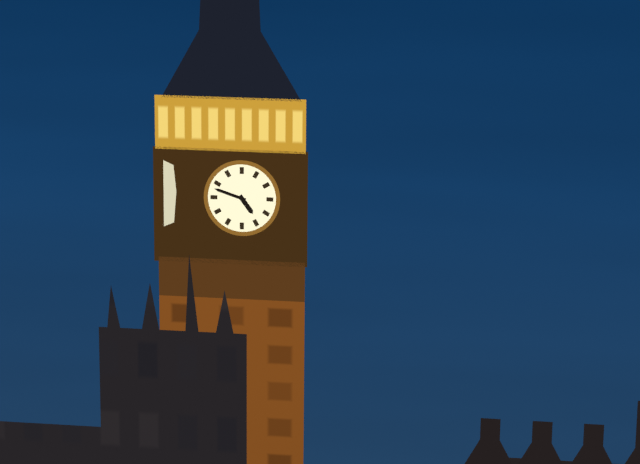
4:48
